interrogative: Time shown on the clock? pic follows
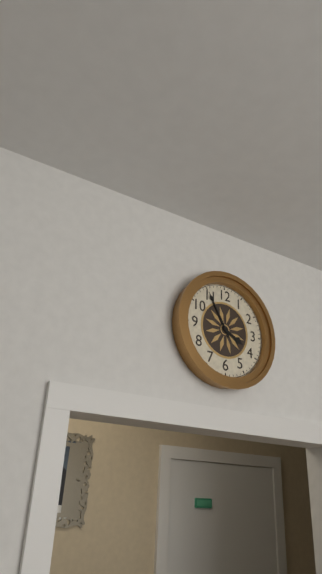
3:55
